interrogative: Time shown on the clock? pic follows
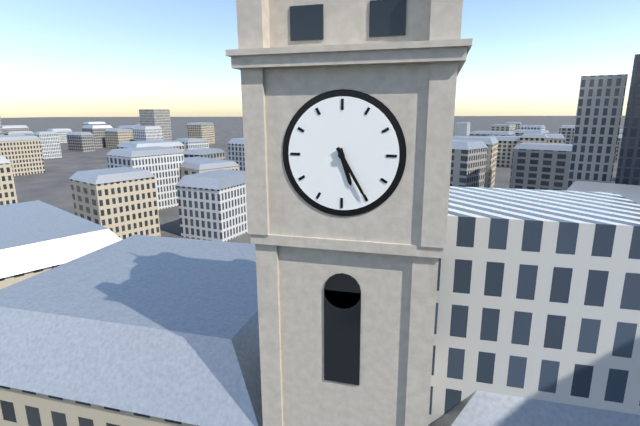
5:25
